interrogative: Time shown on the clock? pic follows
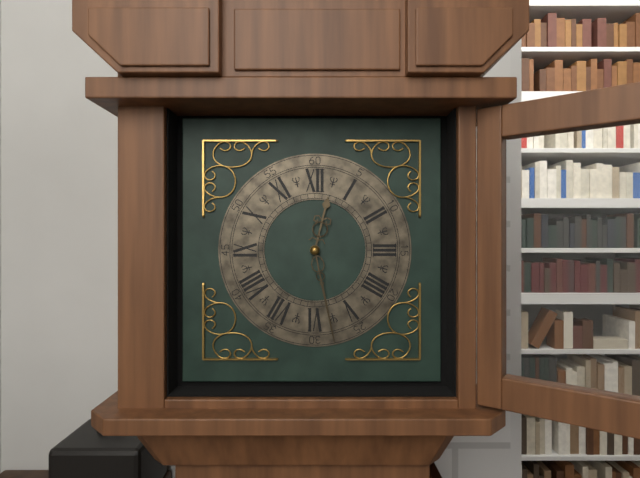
12:28
